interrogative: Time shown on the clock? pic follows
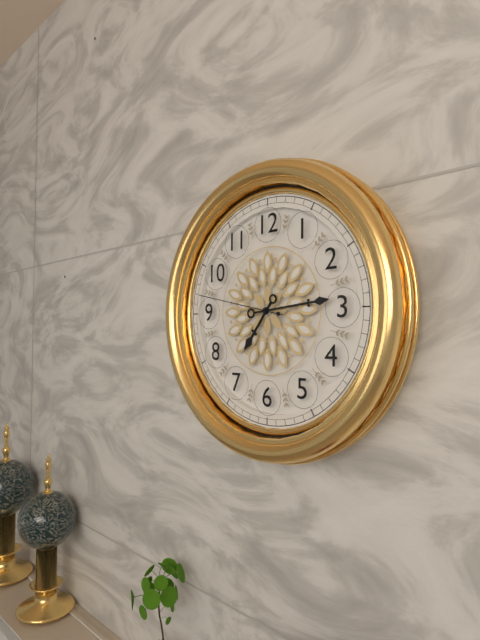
7:14:47
